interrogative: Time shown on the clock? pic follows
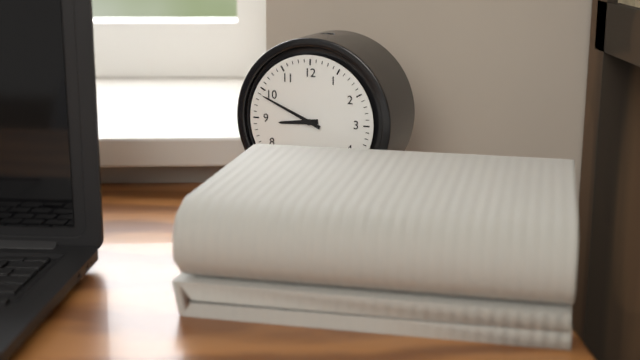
8:49
